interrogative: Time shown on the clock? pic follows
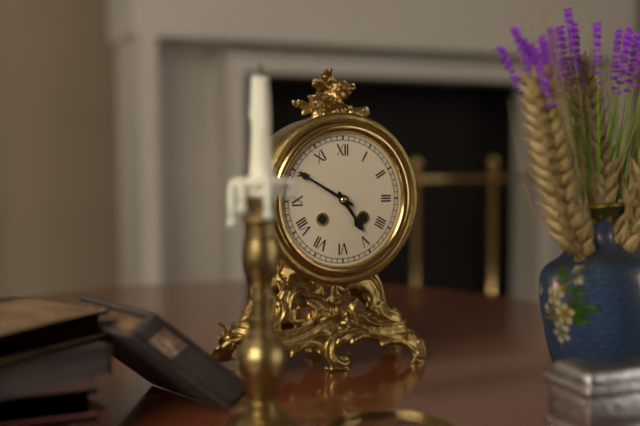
4:50
